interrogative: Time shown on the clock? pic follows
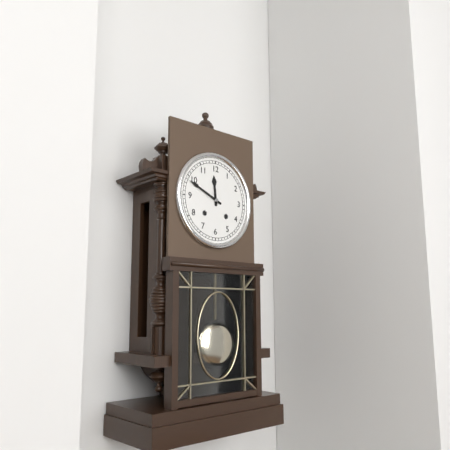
11:49
